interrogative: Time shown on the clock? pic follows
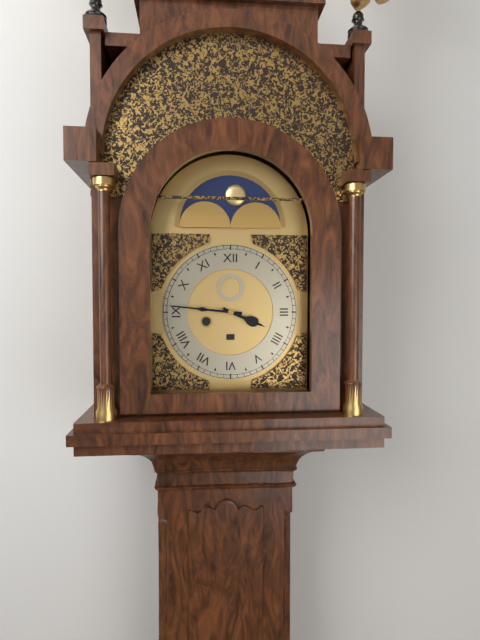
3:46
